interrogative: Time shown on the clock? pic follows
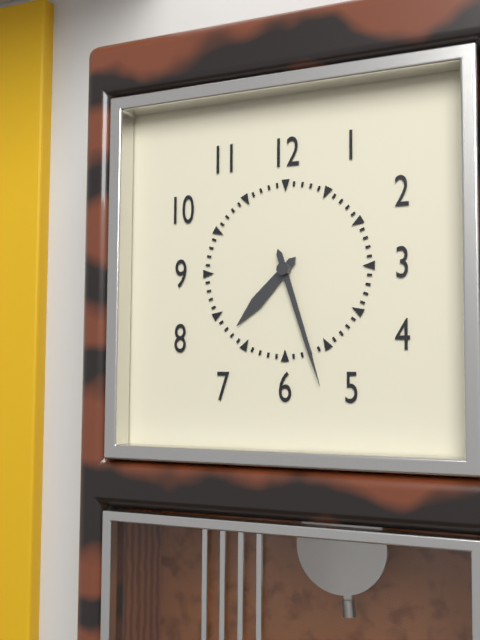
7:27
